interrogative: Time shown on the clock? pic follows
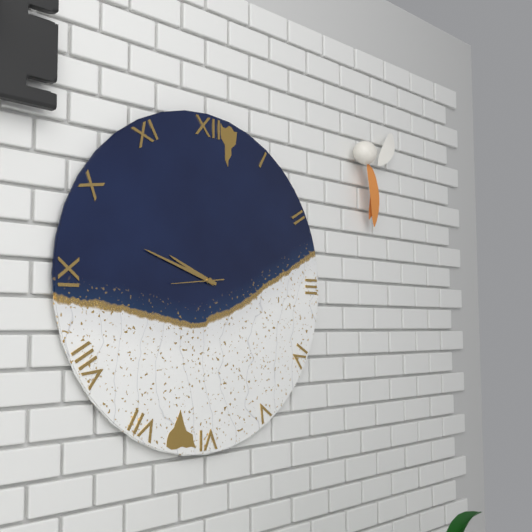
9:48
